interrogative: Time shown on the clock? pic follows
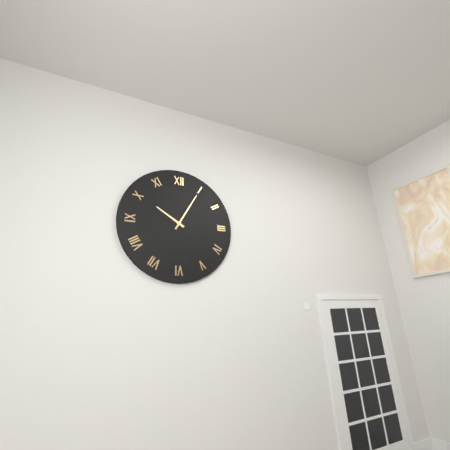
10:05
